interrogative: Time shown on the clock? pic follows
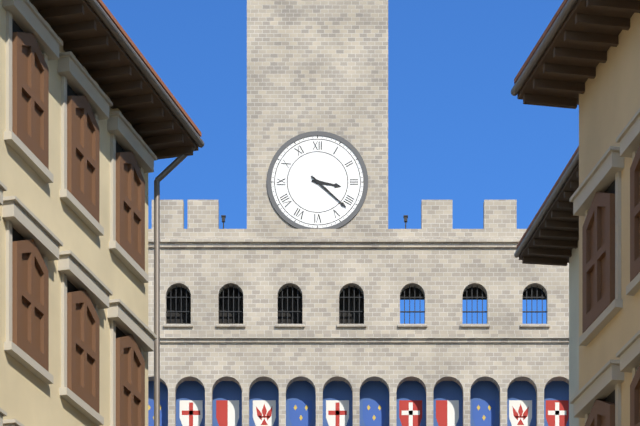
3:22
